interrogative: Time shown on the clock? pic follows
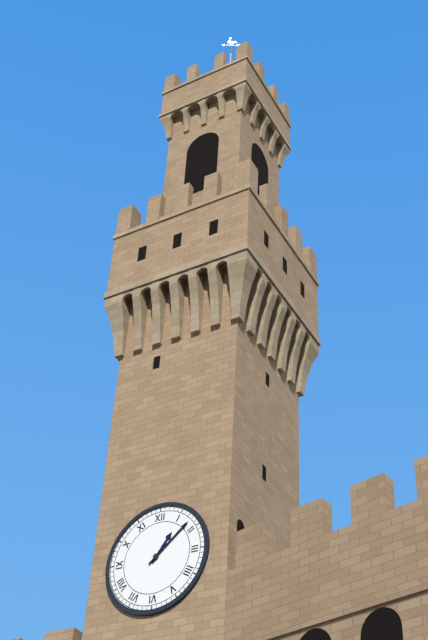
1:08
